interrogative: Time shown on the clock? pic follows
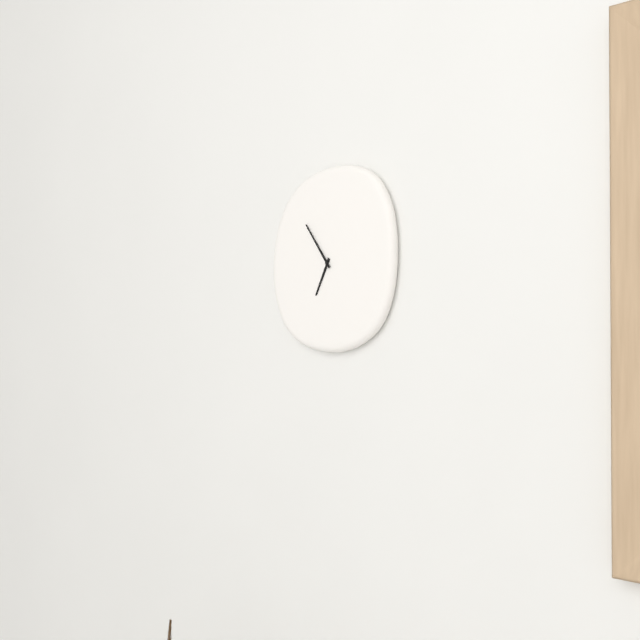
6:54
